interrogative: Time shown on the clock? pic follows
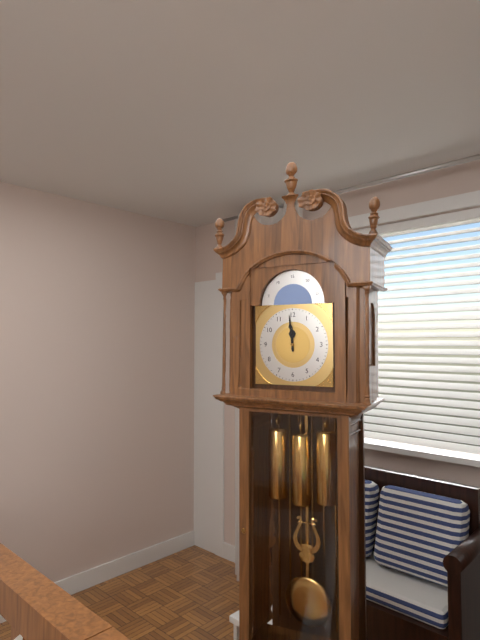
11:59
